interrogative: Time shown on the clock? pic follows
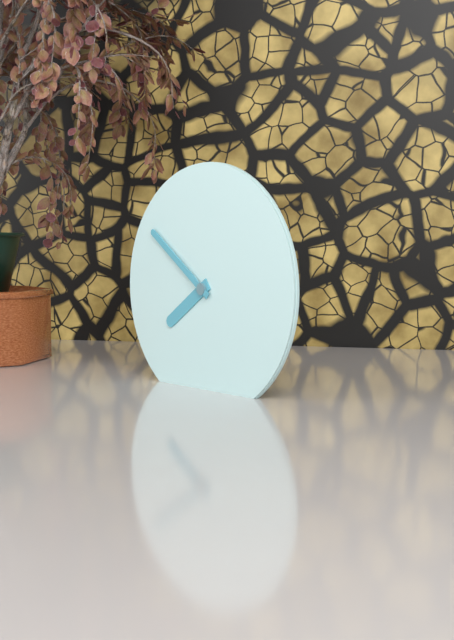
7:51
